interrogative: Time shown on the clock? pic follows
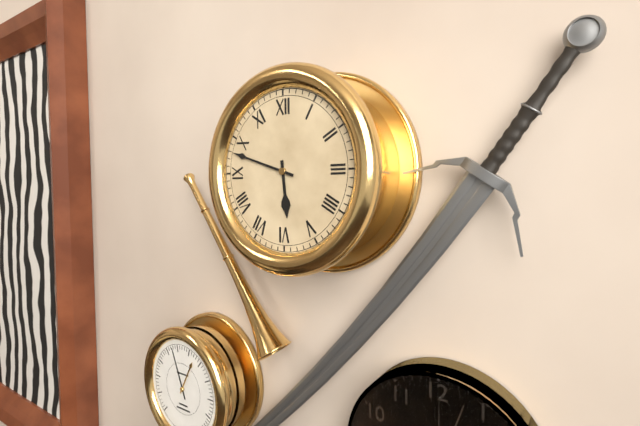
5:48
